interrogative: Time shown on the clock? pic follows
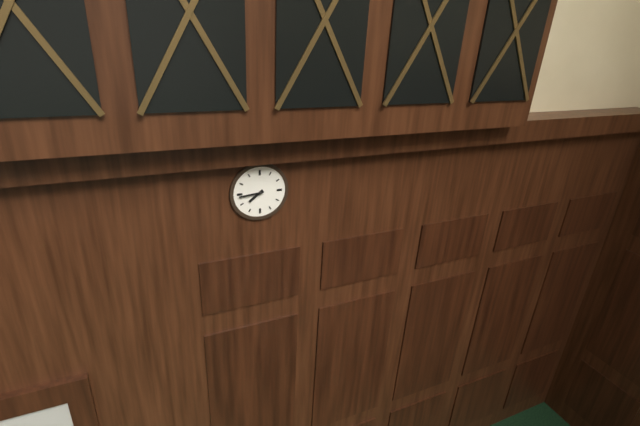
7:44
